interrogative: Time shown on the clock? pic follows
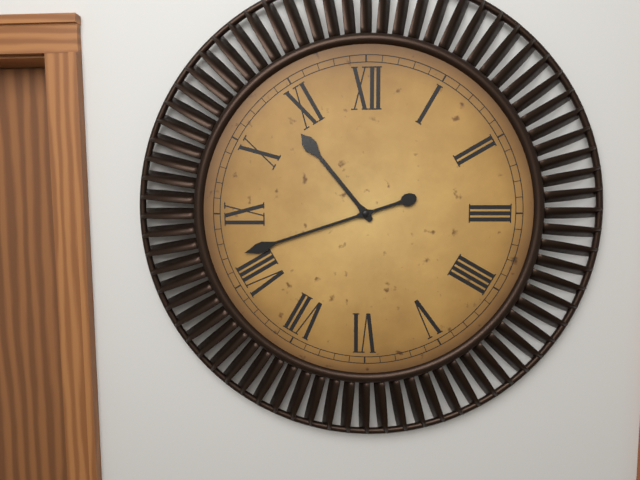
10:42
